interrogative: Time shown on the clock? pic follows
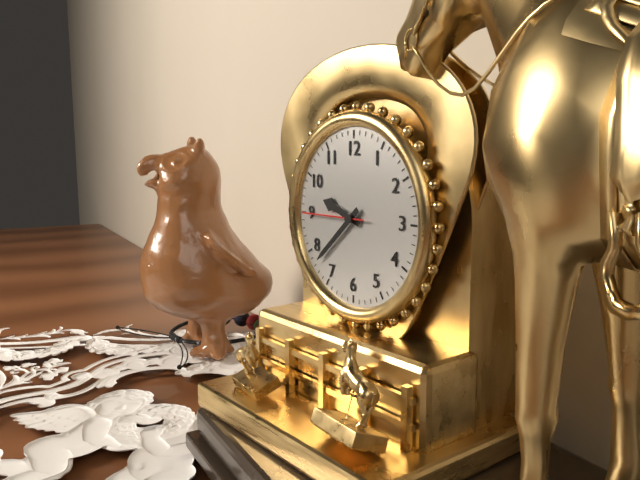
9:38:45
